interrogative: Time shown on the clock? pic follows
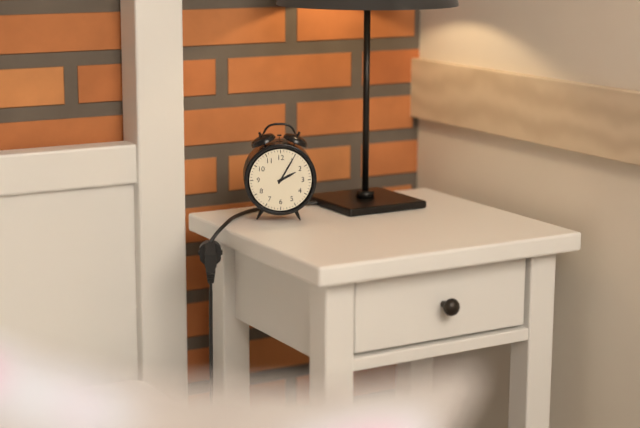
2:05
